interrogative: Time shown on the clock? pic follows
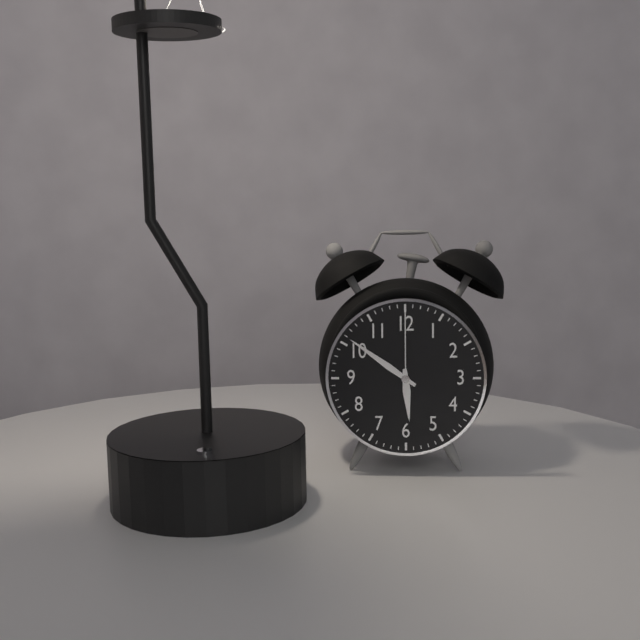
5:51:00
